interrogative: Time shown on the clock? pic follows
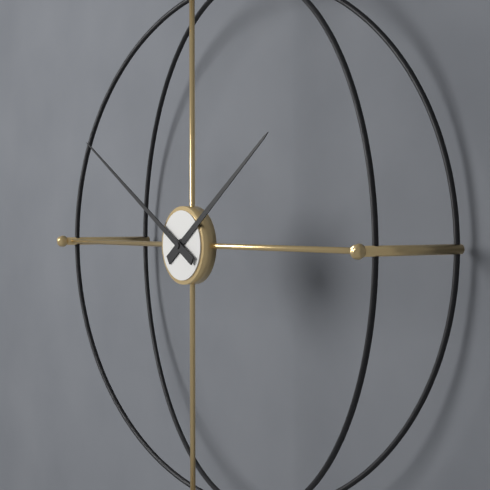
1:50
